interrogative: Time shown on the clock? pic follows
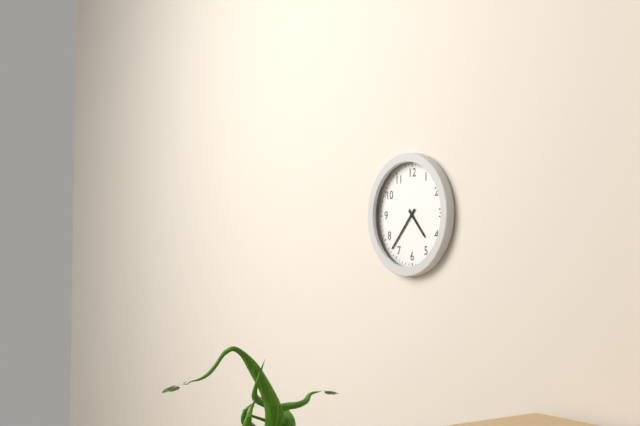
4:37
